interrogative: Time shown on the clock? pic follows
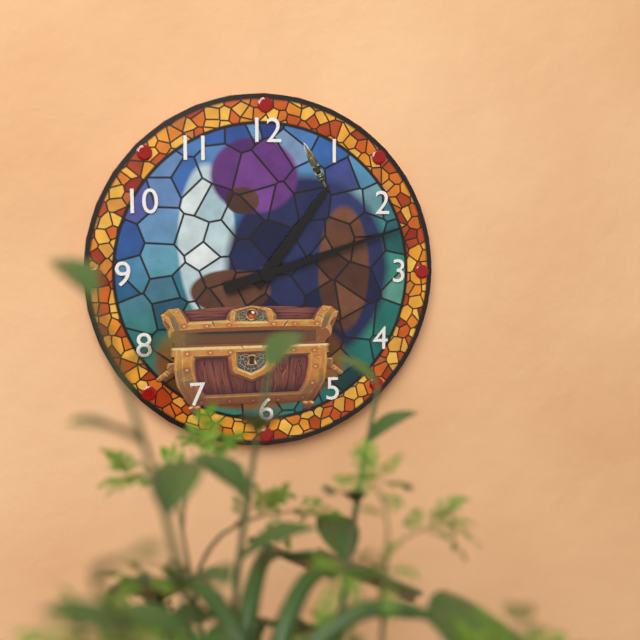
1:12
